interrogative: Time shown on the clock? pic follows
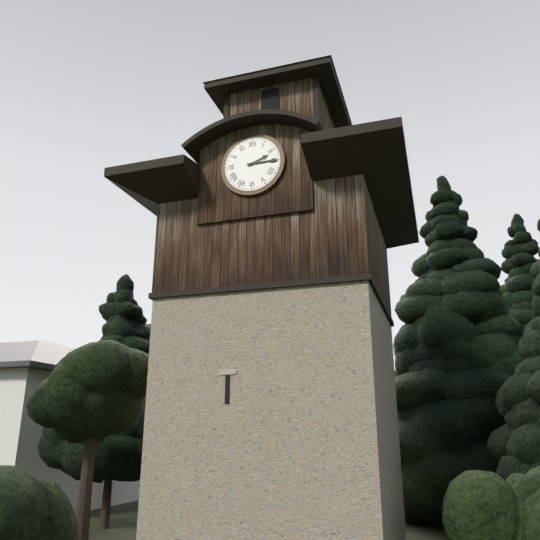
2:15
